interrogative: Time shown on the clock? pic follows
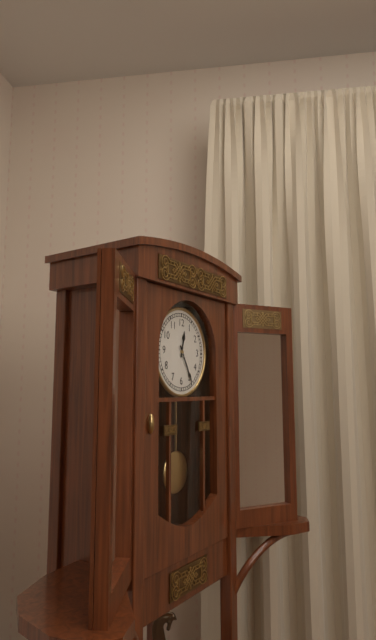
12:25
